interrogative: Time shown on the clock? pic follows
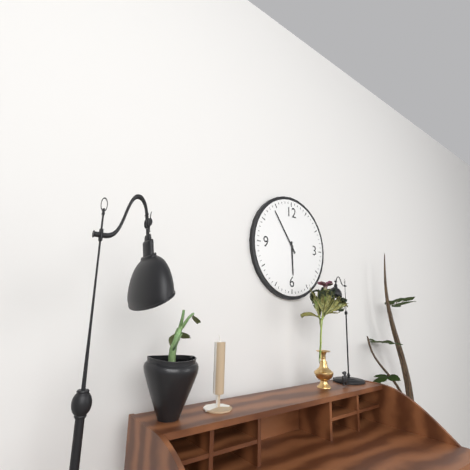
5:54
